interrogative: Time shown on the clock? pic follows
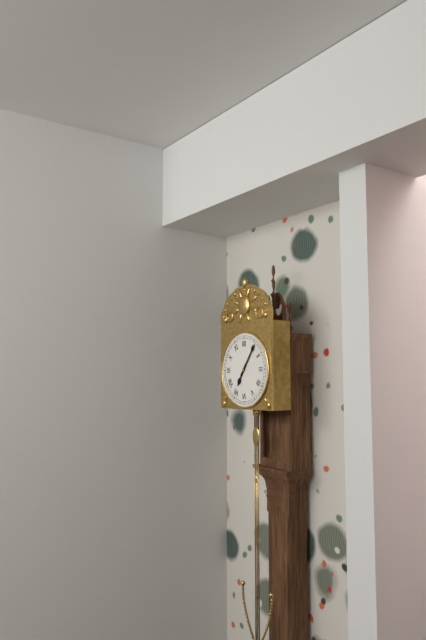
7:06
